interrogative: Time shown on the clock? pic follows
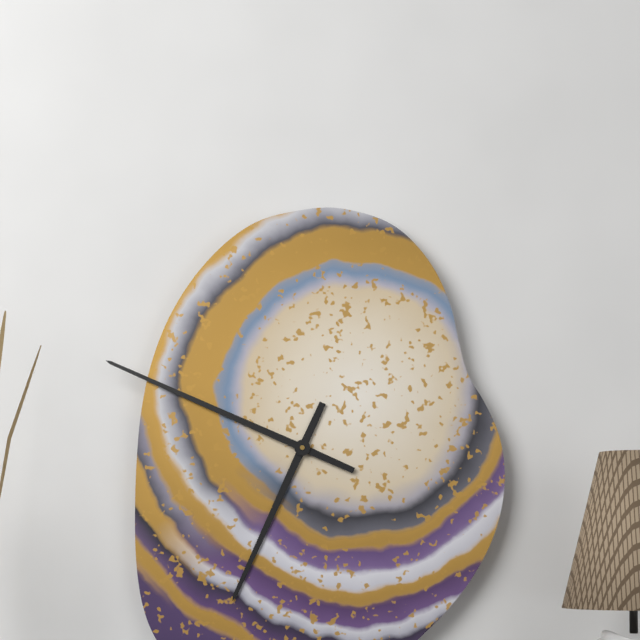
6:49
